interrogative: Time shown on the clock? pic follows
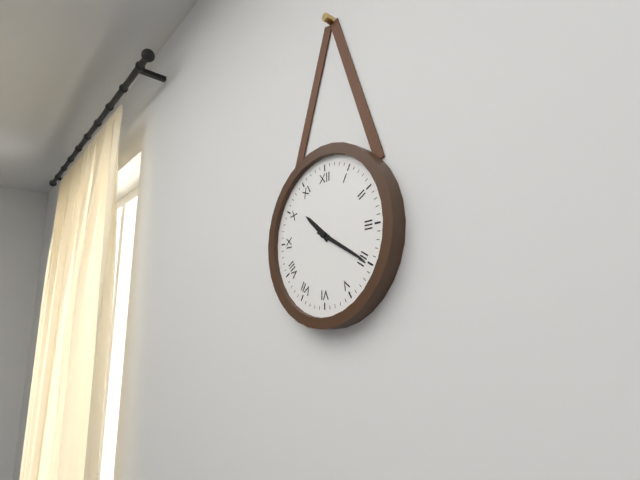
10:20
